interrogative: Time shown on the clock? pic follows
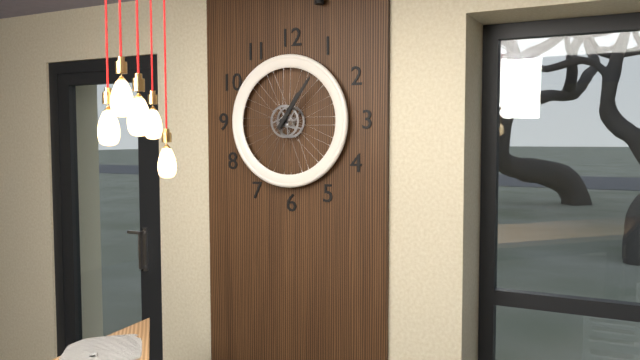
1:06
